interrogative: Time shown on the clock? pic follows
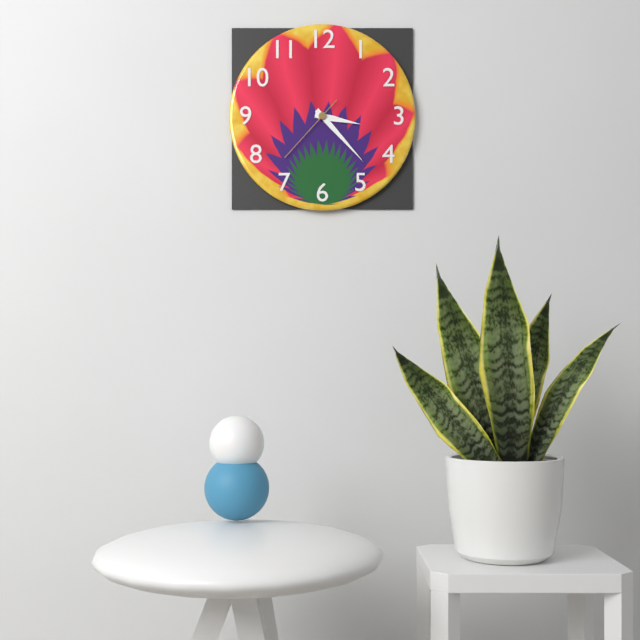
3:23:37
